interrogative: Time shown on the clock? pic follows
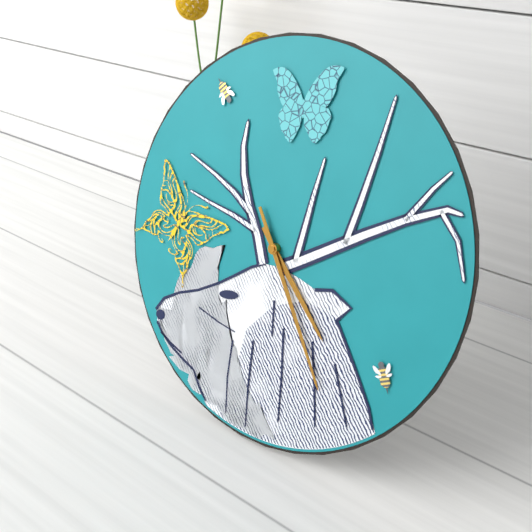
4:24
